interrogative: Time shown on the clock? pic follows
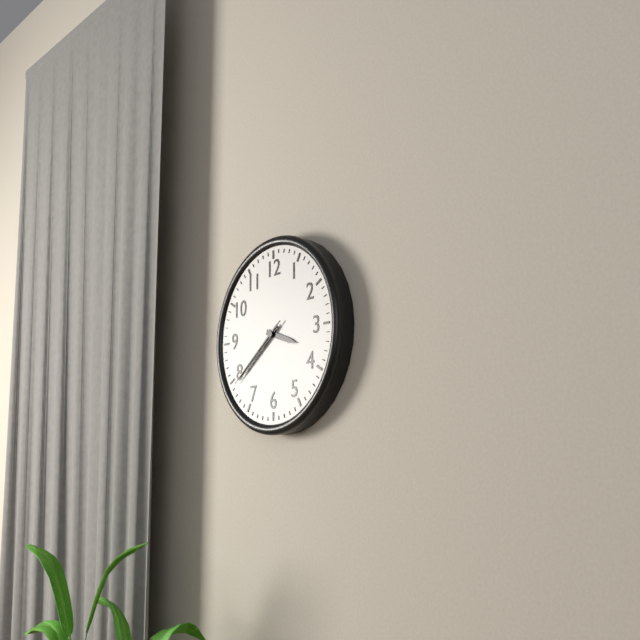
3:39:39
